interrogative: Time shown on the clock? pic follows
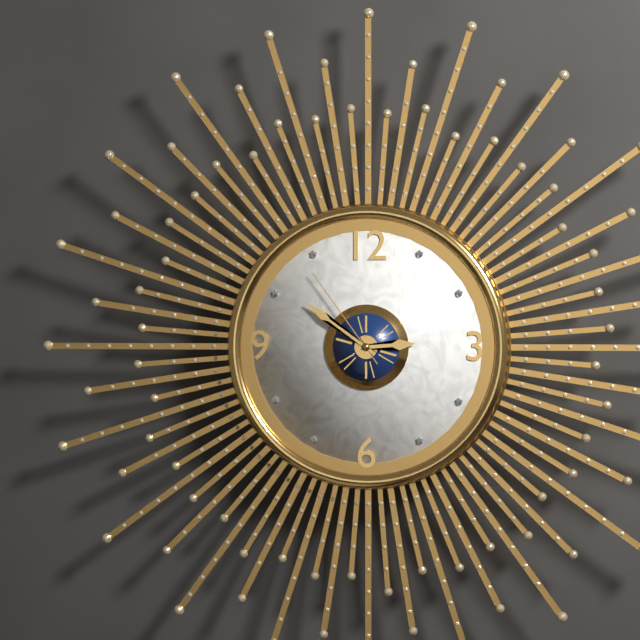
2:51:54
